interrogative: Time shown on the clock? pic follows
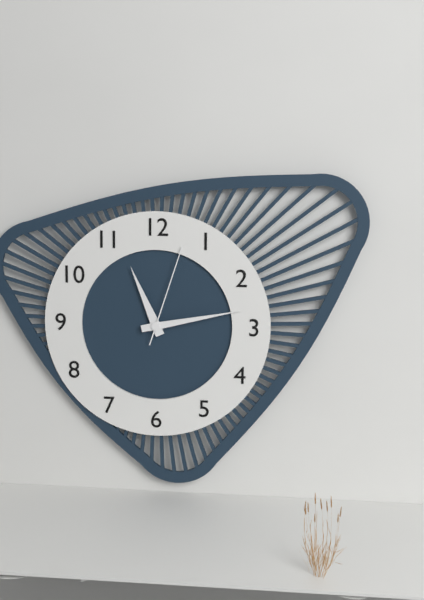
11:13:03
